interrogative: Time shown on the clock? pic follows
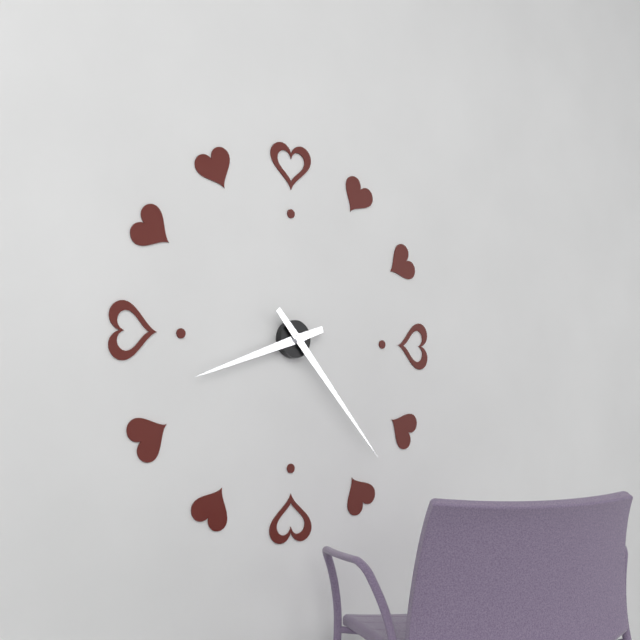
8:23
